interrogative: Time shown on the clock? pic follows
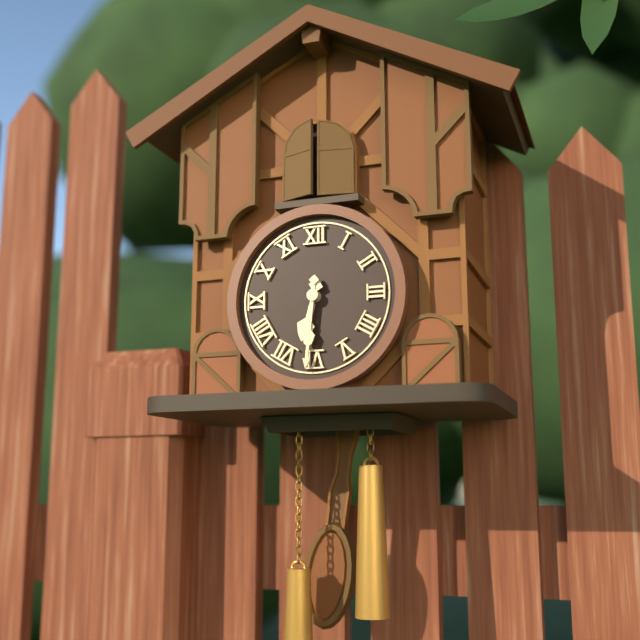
6:31
